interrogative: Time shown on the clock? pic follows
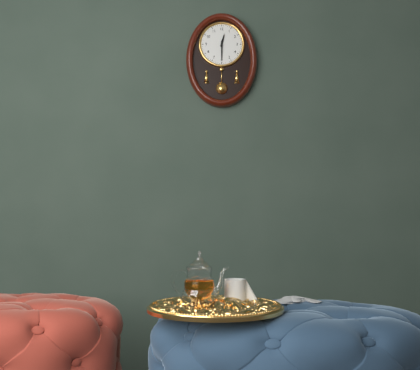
12:30
